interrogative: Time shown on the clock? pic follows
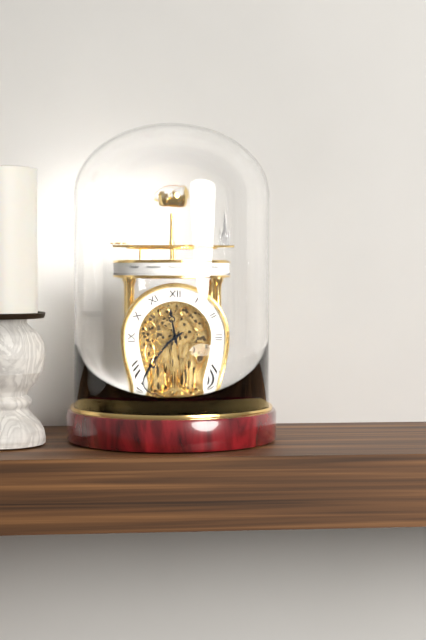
11:39
